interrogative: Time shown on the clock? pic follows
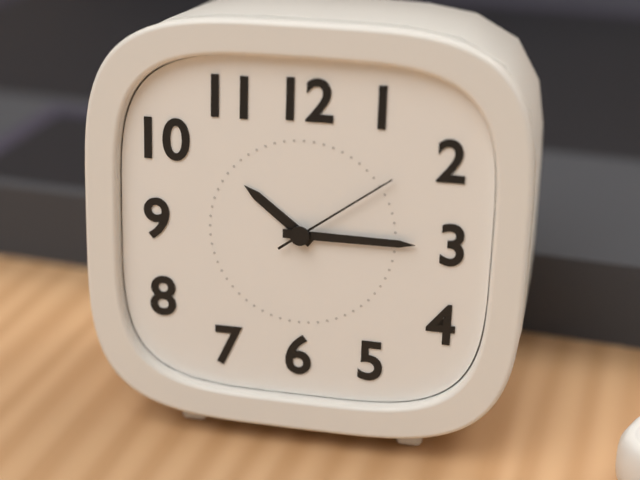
10:15:09
